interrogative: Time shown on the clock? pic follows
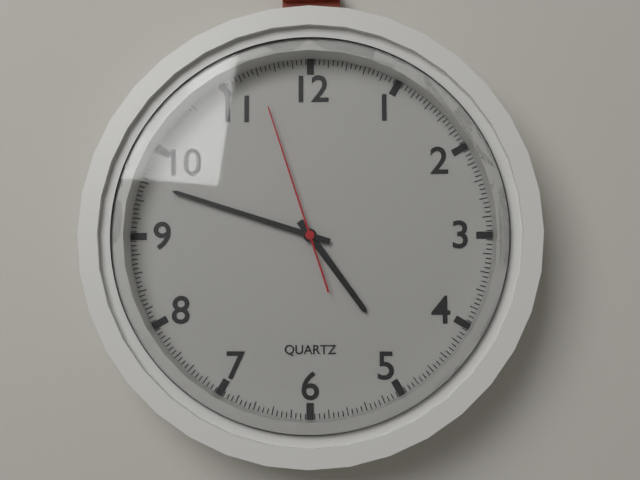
4:48:57
